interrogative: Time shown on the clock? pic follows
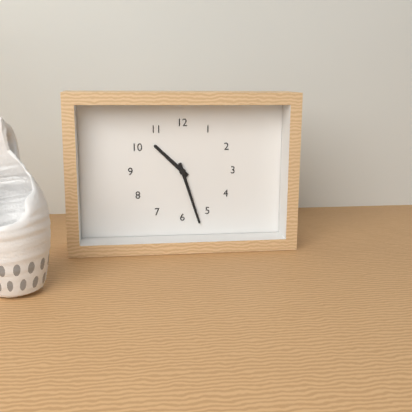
10:27
